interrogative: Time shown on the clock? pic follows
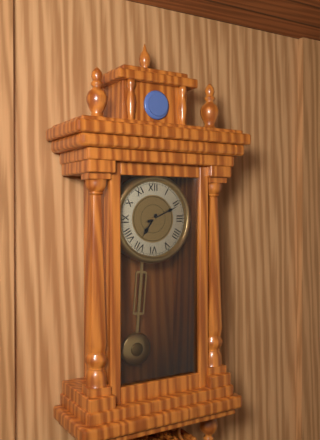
7:11
